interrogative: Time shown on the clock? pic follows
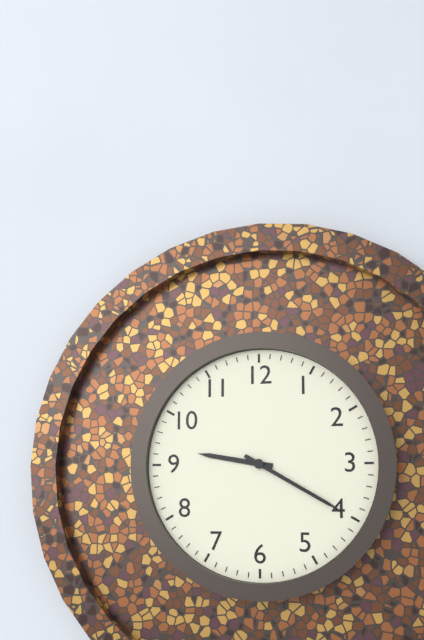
9:20
